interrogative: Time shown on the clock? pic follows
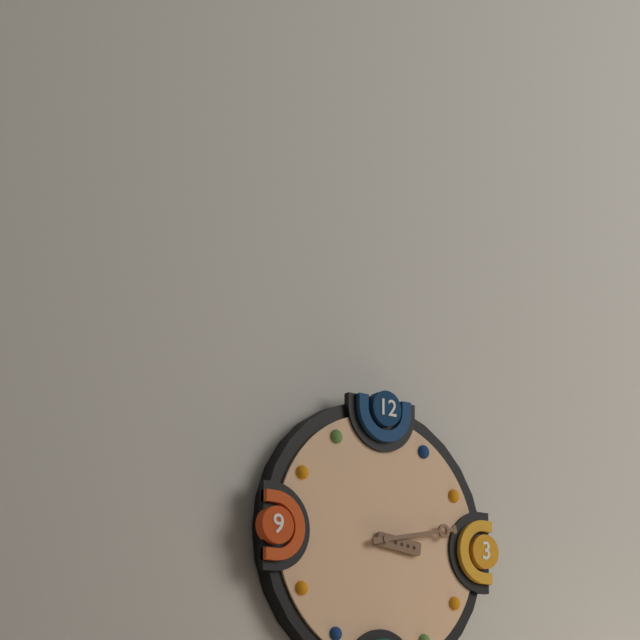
3:13
